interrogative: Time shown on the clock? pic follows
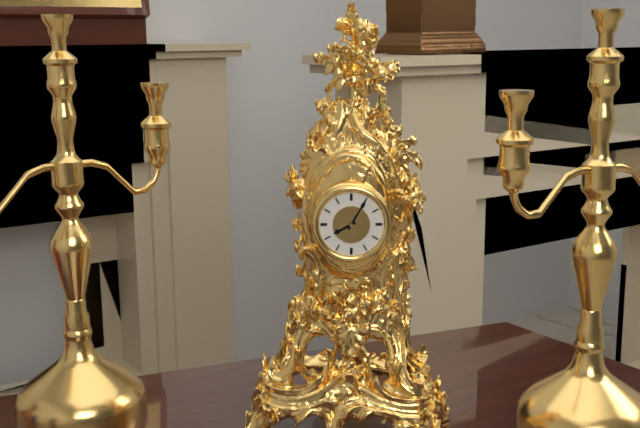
8:05
